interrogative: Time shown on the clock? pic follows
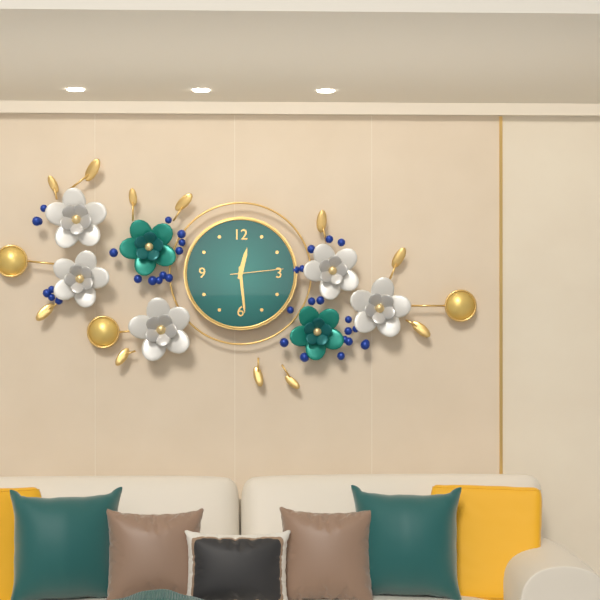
12:29:14
